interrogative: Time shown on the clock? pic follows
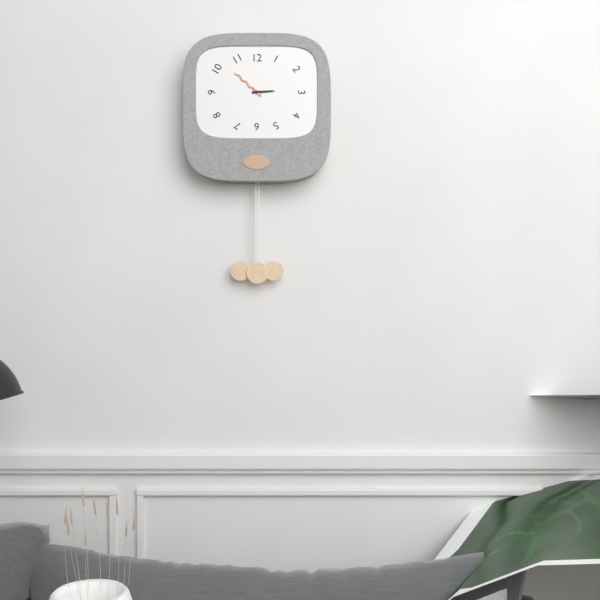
2:52
